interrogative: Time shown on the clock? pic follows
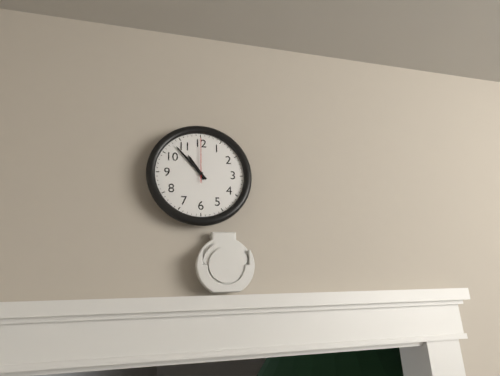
10:53
